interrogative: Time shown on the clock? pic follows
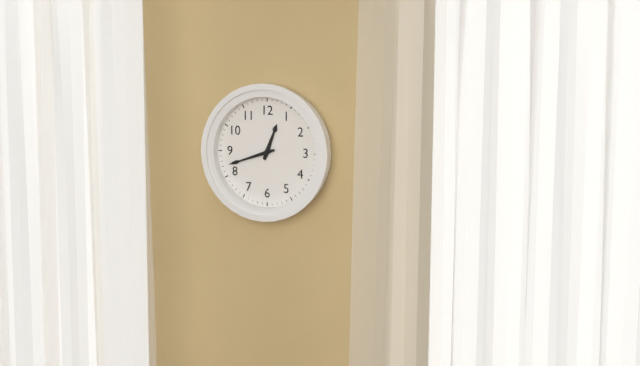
12:42
